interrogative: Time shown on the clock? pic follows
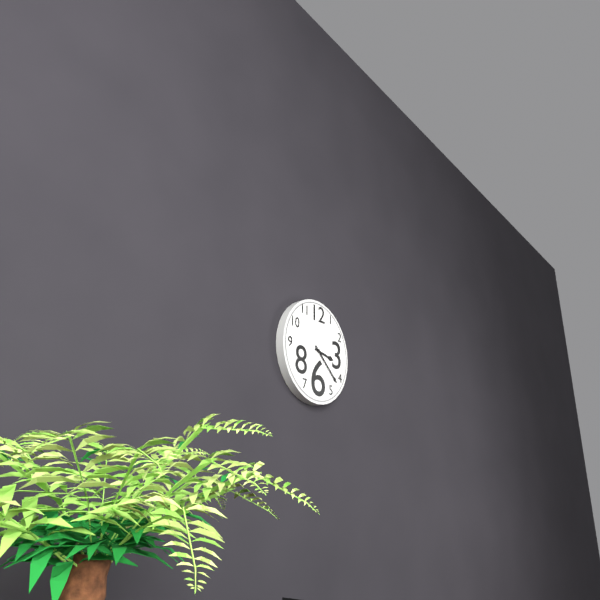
3:22
